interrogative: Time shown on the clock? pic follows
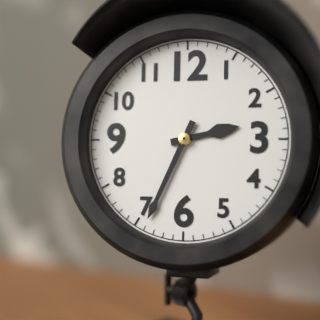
2:34
